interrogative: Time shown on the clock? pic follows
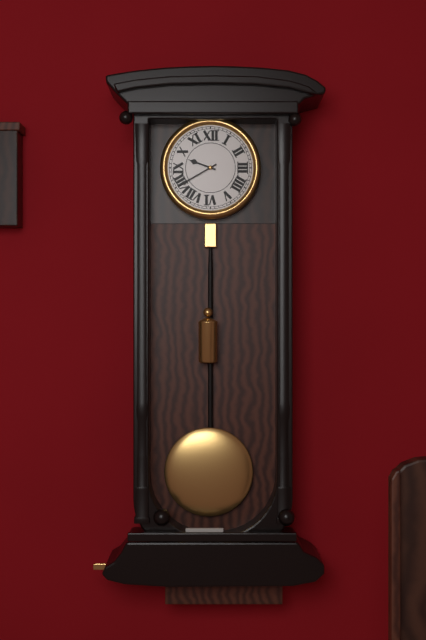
9:40
